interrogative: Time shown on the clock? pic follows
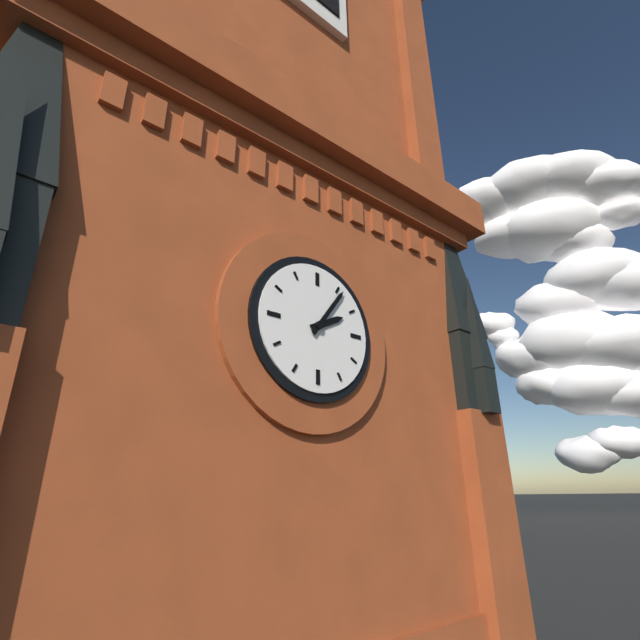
2:06
